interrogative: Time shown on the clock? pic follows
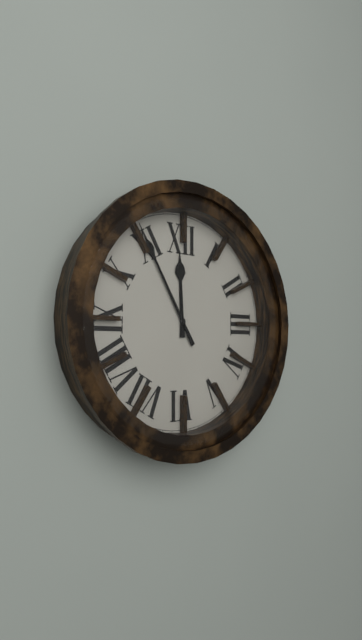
11:55
